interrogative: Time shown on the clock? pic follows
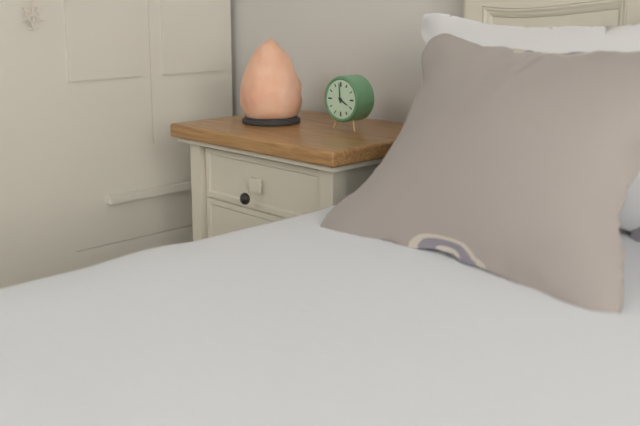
3:59
